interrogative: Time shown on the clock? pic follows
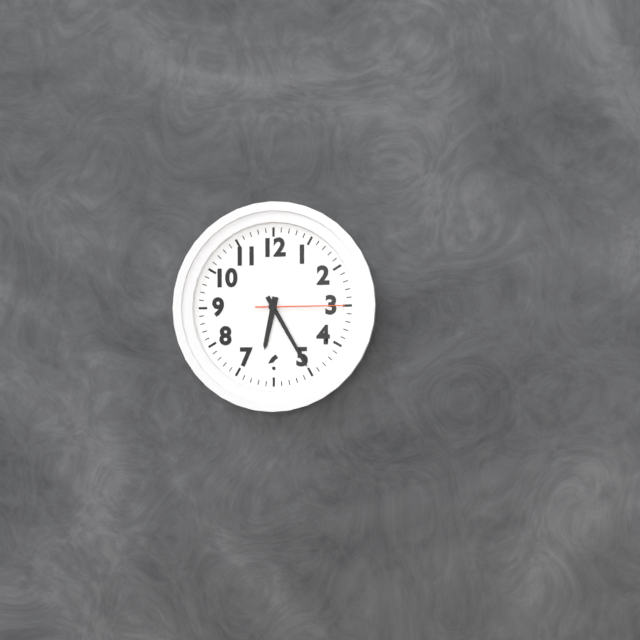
6:25:15
